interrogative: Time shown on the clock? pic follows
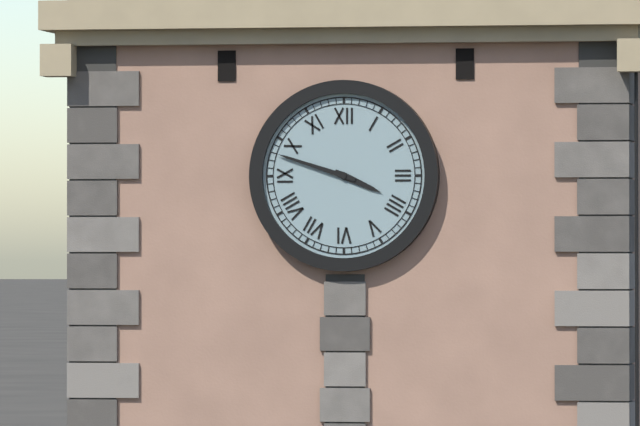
3:48
